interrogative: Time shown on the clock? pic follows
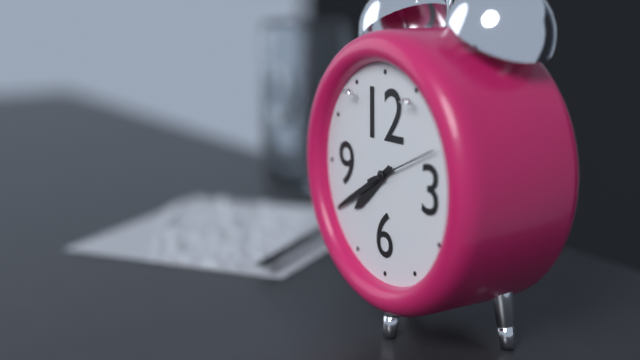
7:40:11
